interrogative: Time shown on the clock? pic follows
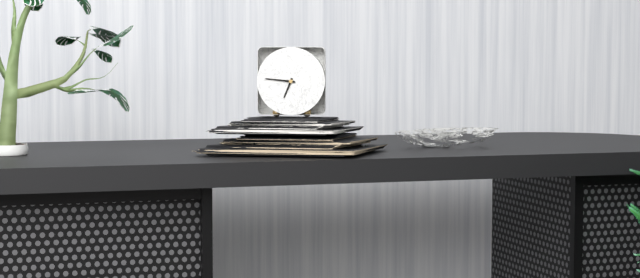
6:46
